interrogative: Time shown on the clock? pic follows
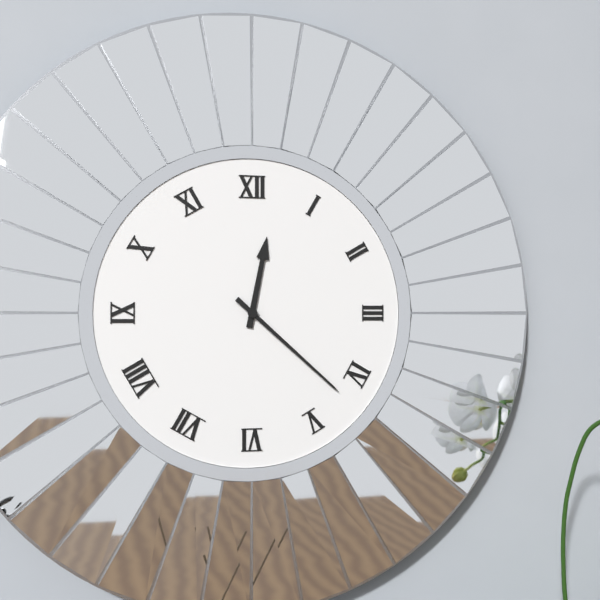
12:22
